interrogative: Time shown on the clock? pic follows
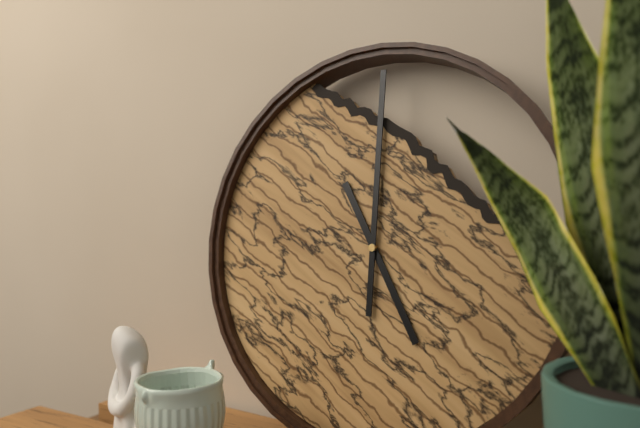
5:00
